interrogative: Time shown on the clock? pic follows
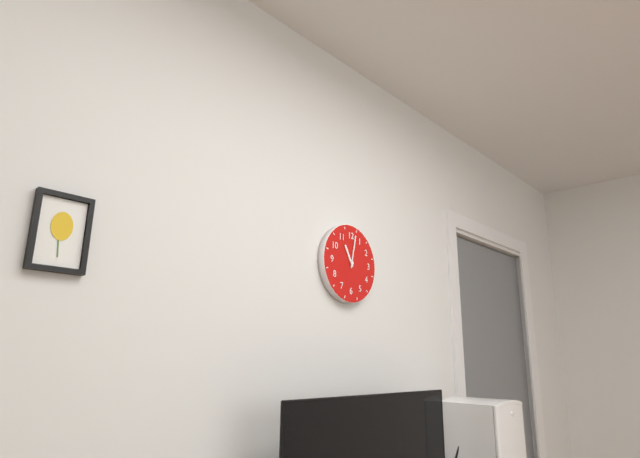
11:02
